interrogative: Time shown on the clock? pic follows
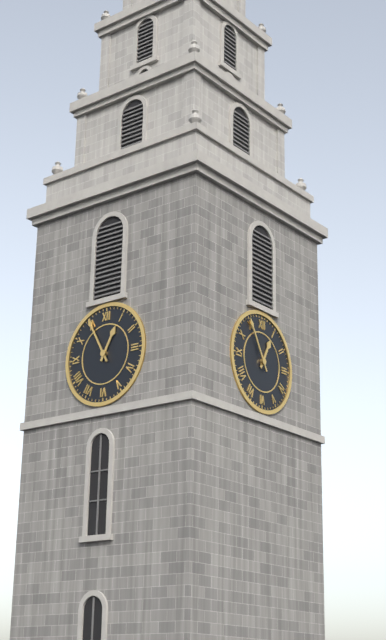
12:55
